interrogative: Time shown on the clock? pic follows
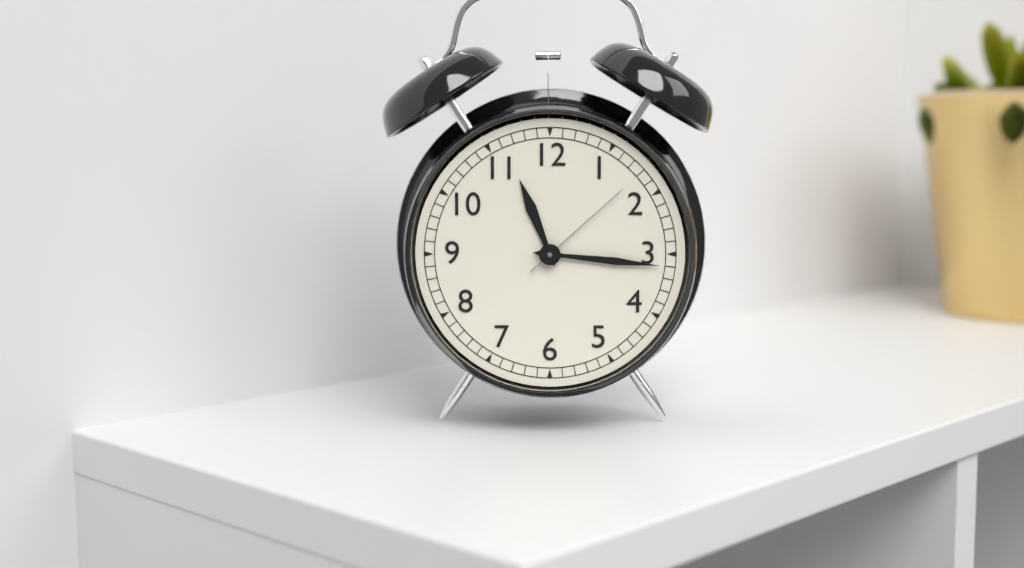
11:16:08
